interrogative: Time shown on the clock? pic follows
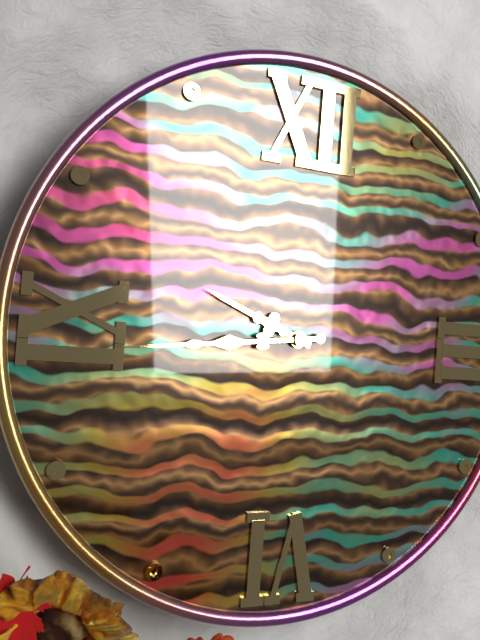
9:44
